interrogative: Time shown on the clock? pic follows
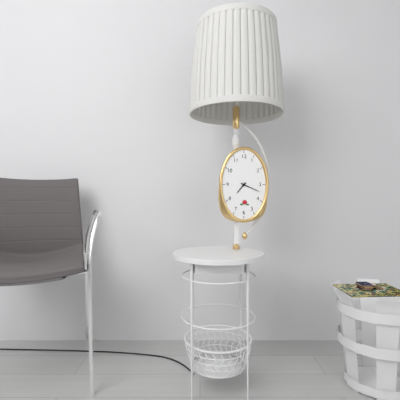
7:19
